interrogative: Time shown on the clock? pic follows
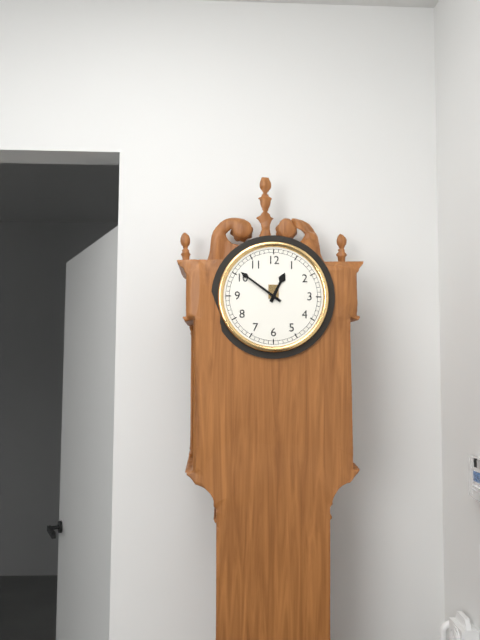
12:51
